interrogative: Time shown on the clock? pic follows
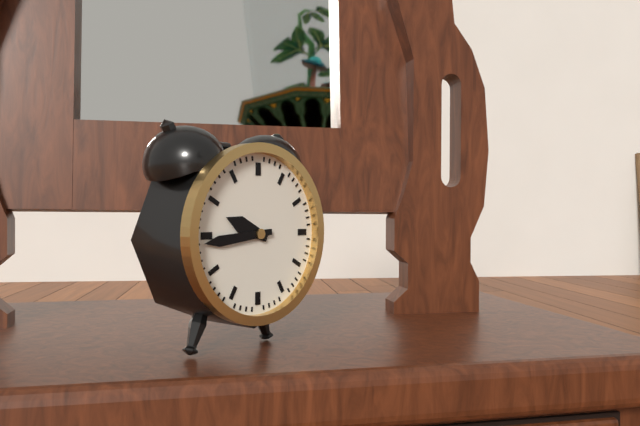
9:44
